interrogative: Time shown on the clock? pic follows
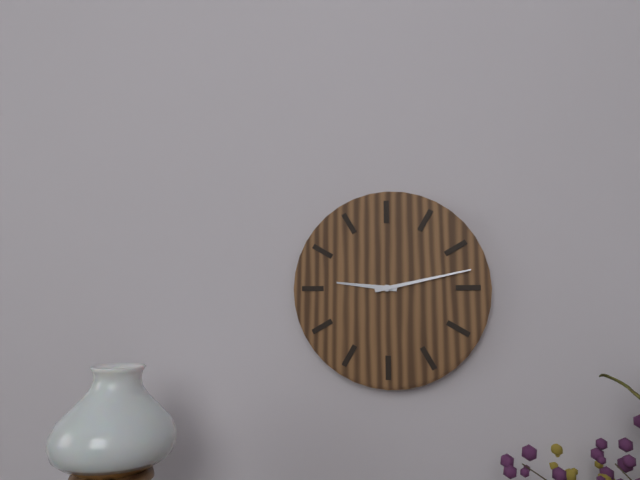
9:13
